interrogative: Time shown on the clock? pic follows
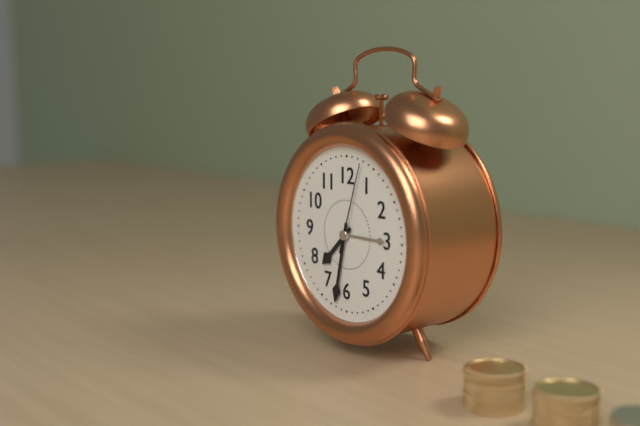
7:32:03
